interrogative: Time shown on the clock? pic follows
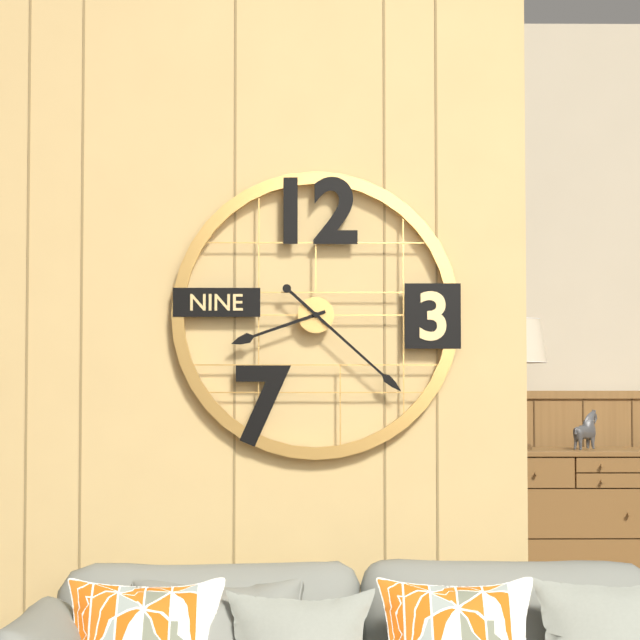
8:22
